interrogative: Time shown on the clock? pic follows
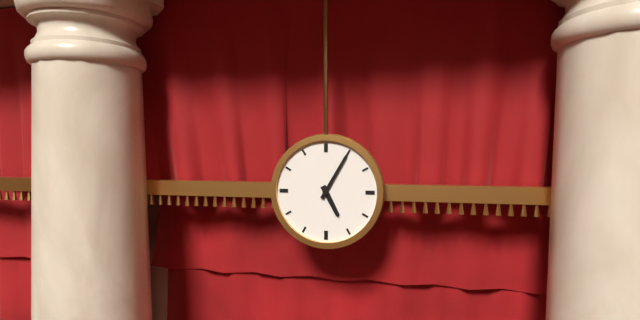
5:05
